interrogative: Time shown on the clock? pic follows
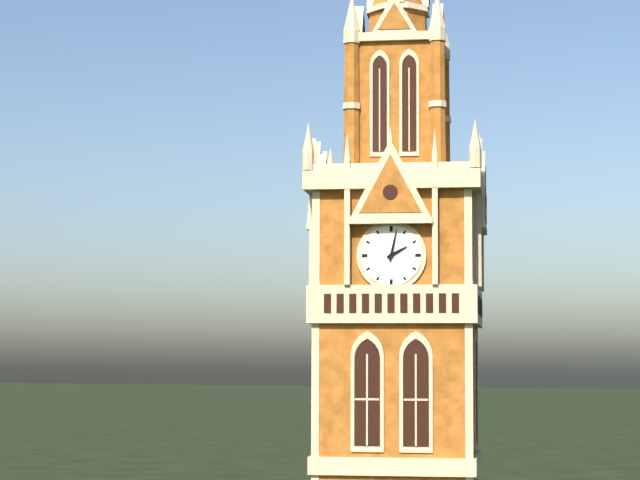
2:02
